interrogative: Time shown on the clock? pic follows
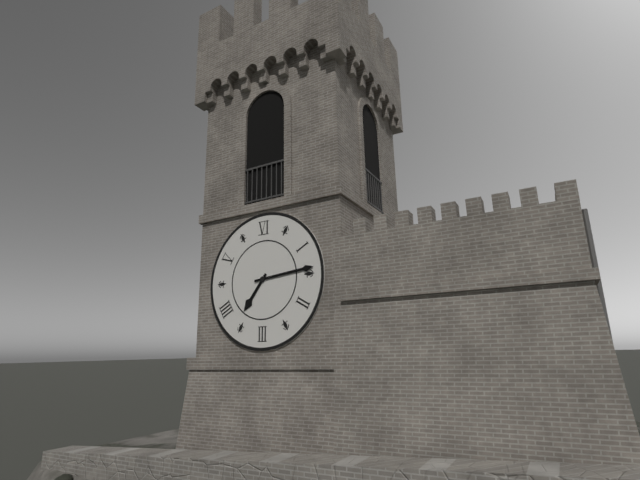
7:14
